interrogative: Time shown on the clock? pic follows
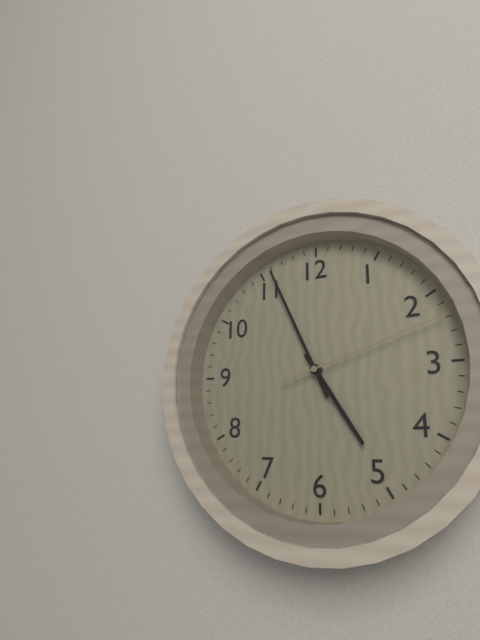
4:56:12
